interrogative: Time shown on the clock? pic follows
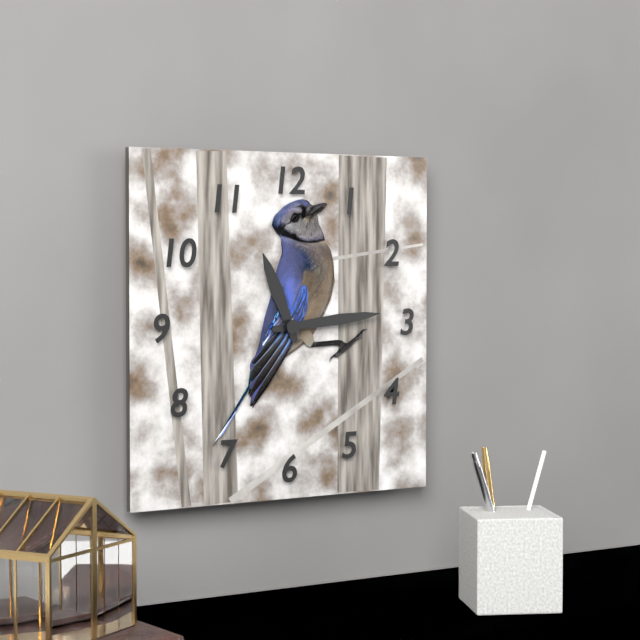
11:14
